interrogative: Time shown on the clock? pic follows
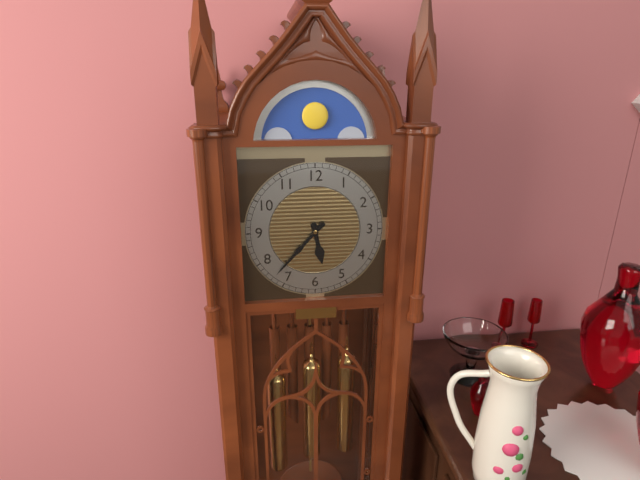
5:37
